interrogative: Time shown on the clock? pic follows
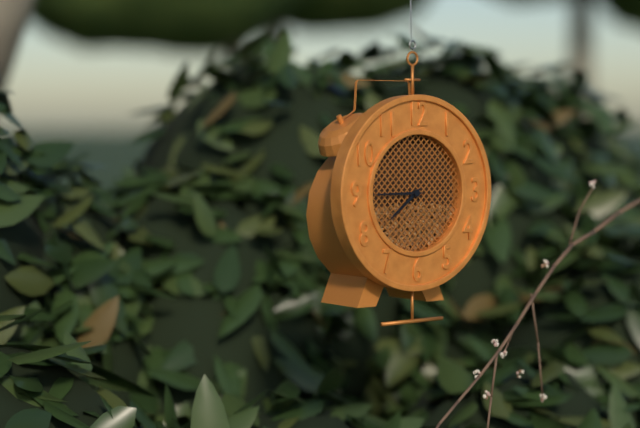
7:45
